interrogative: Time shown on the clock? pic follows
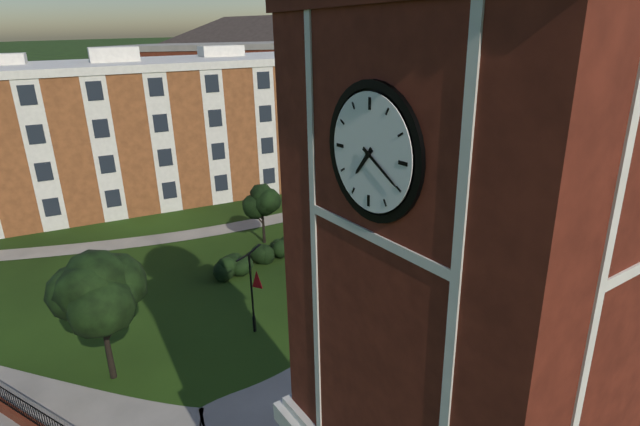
7:20
